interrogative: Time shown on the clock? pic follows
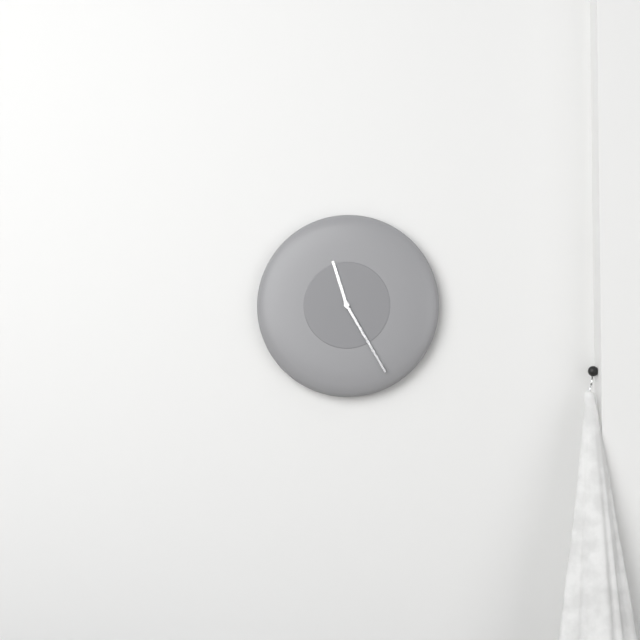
11:25
